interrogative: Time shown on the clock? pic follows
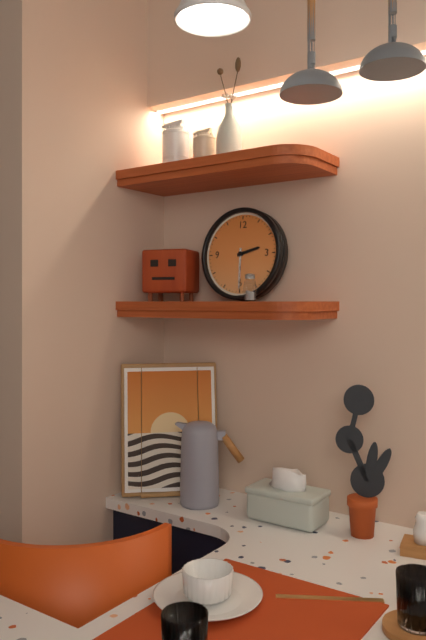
2:30
